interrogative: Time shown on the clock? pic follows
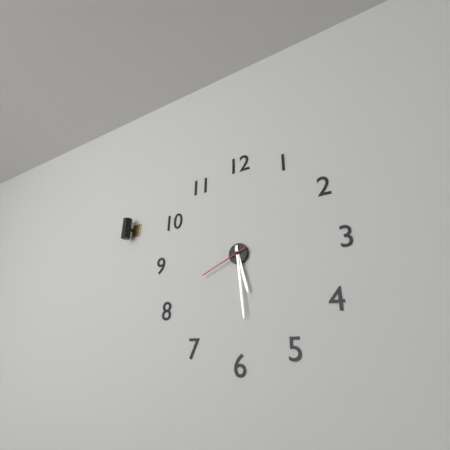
5:29:41
